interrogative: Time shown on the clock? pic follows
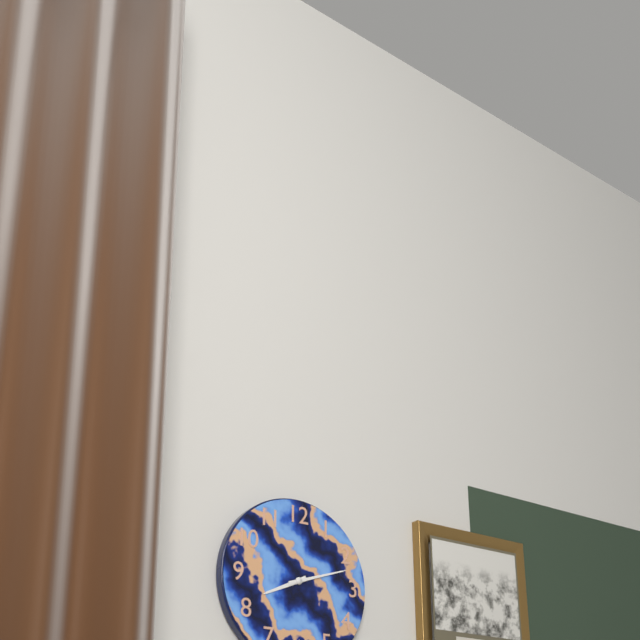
8:12
